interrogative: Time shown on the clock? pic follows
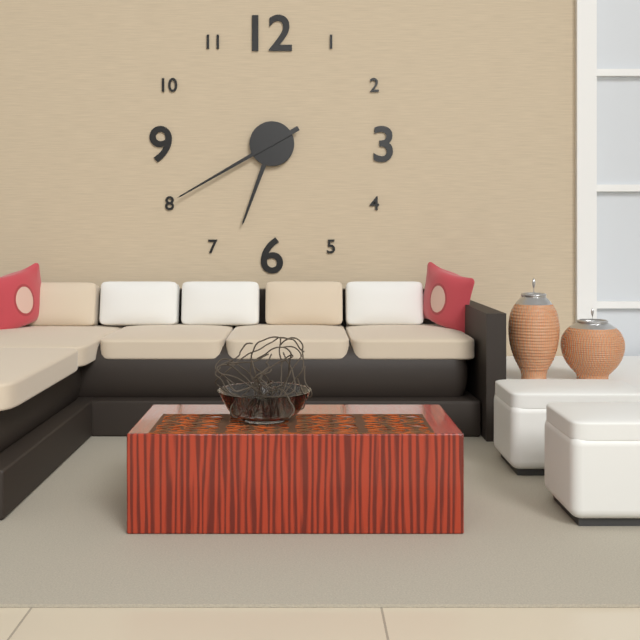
6:40
